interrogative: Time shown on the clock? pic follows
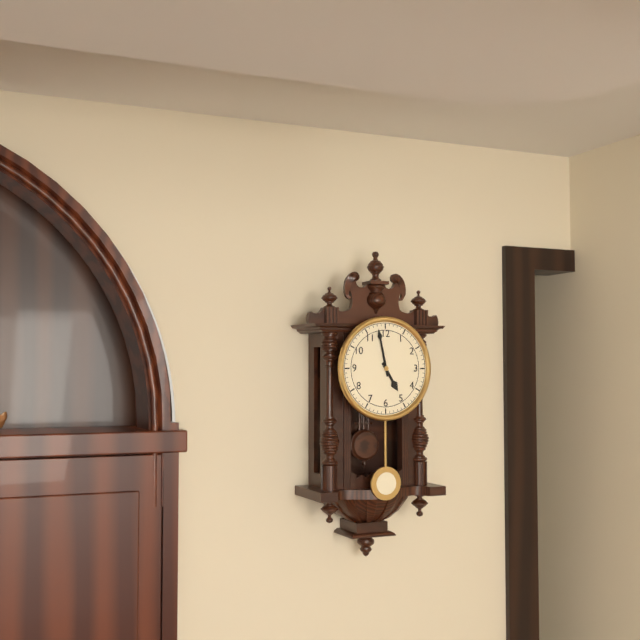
4:58
